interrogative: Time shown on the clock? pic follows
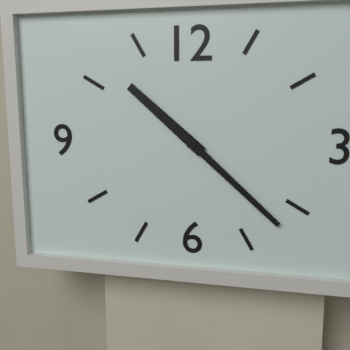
10:22
